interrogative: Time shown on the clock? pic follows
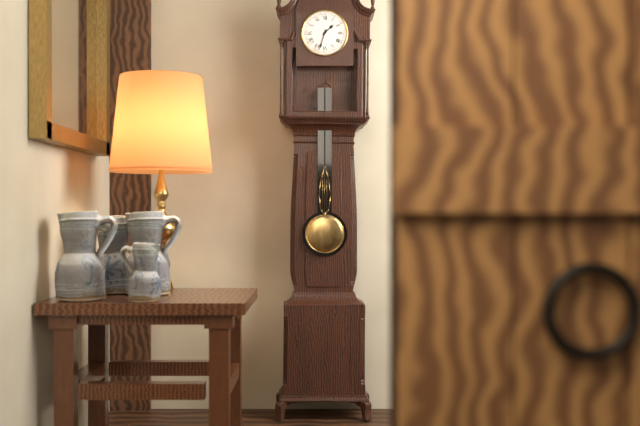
1:33
